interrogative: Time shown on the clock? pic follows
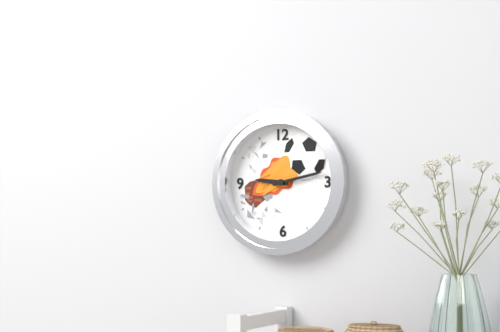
9:13
